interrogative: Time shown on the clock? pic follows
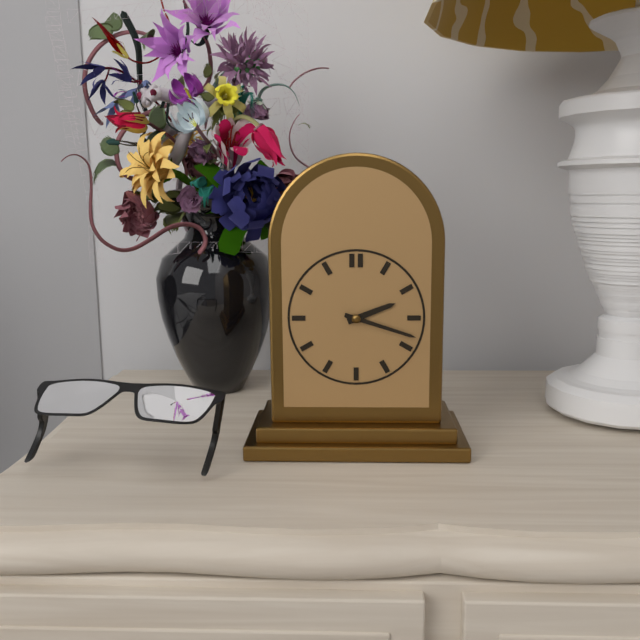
2:18
